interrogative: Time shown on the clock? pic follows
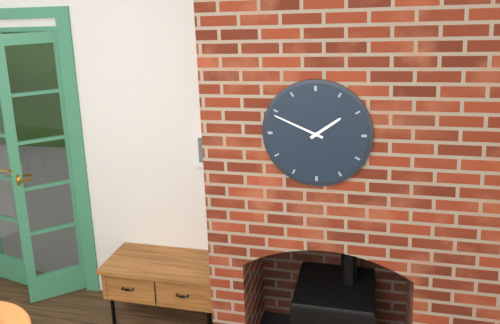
1:49
